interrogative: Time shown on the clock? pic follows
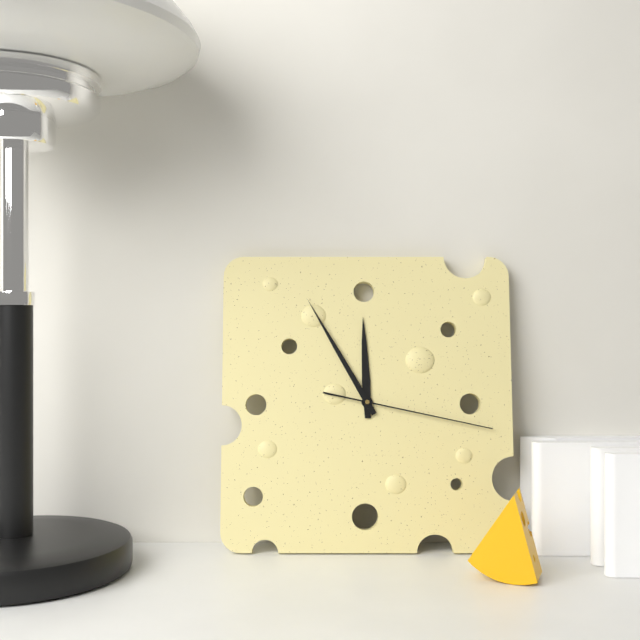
11:55:17
